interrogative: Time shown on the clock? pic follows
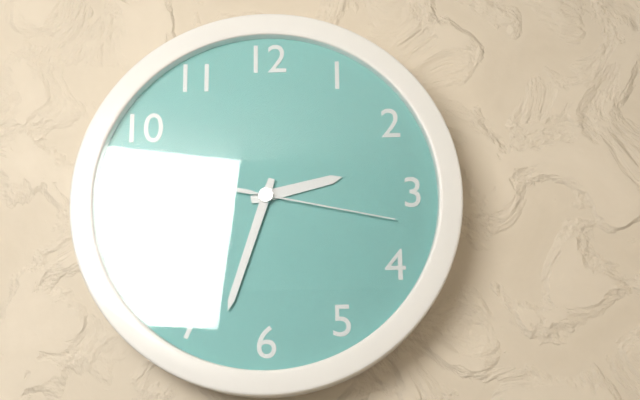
2:33:17
